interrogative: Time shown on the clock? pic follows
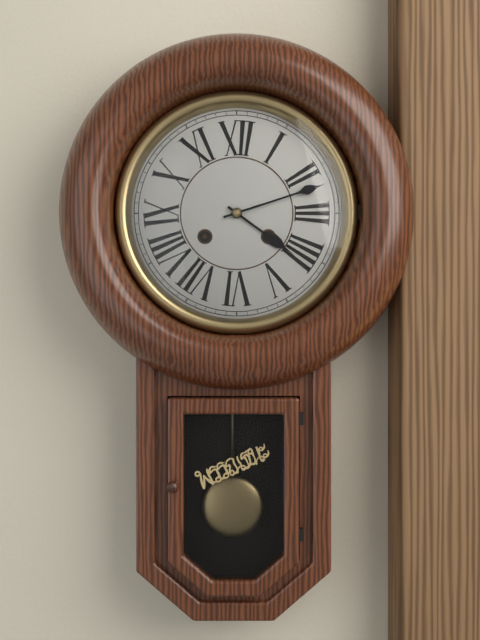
4:12
